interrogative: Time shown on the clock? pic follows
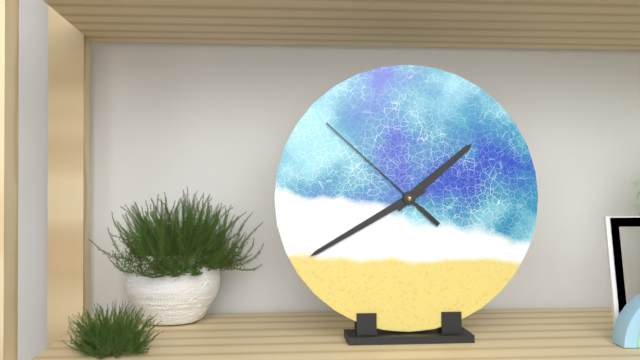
1:40:52
